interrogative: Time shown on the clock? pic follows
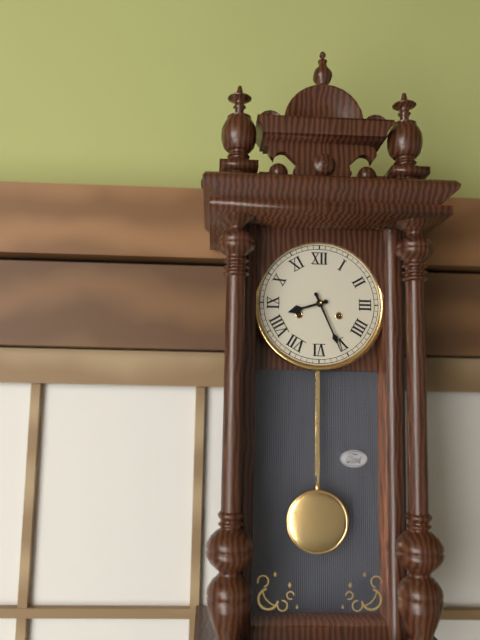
8:26
